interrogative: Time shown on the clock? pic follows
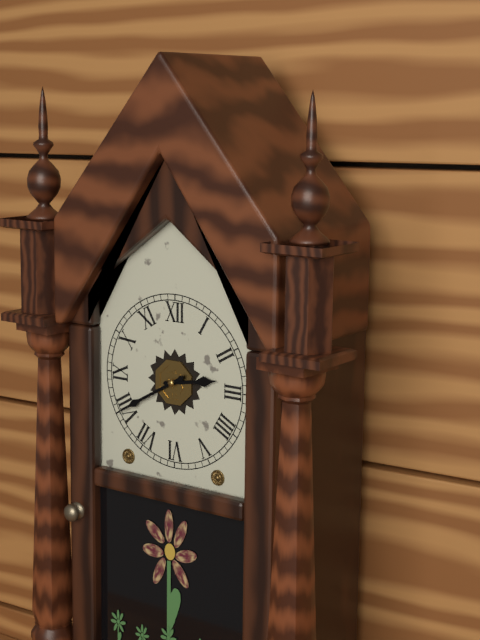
2:40
